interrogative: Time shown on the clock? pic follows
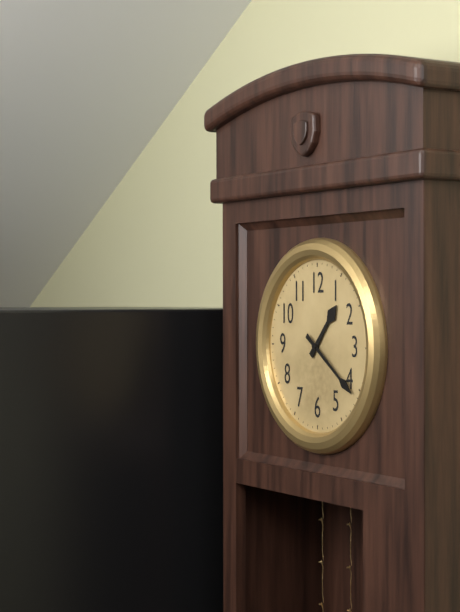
1:21
